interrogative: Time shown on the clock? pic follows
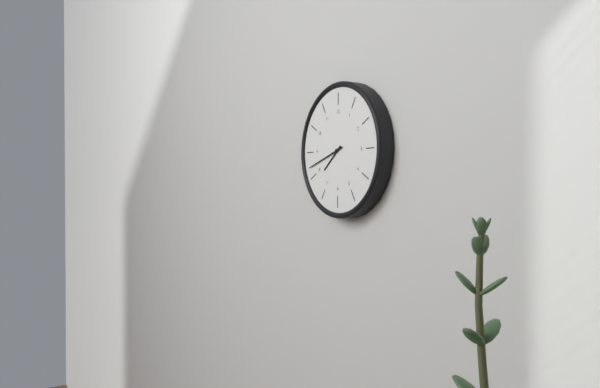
7:42
